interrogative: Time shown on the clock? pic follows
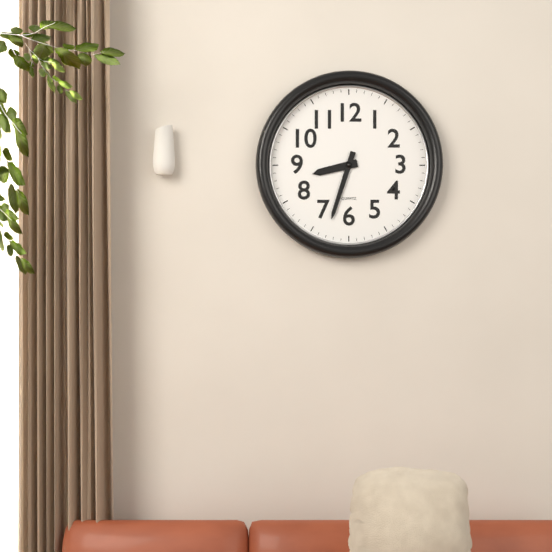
8:33
